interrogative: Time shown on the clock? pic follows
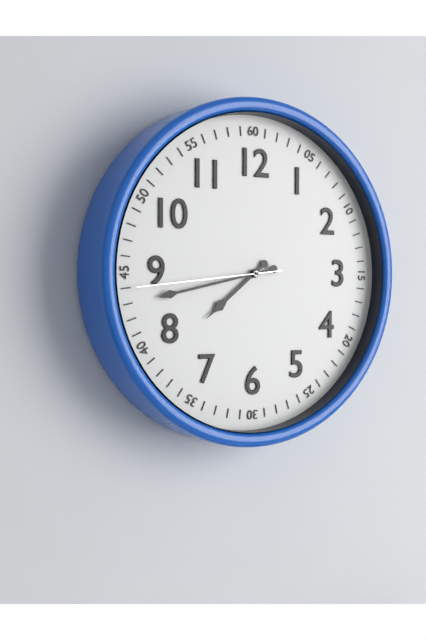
7:43:44
